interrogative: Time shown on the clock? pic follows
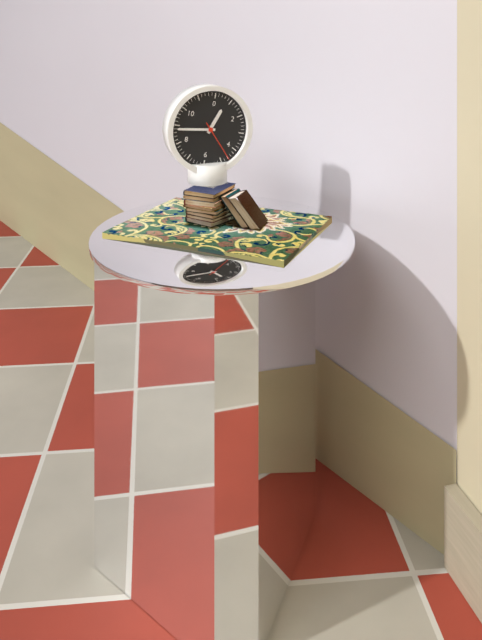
12:44
